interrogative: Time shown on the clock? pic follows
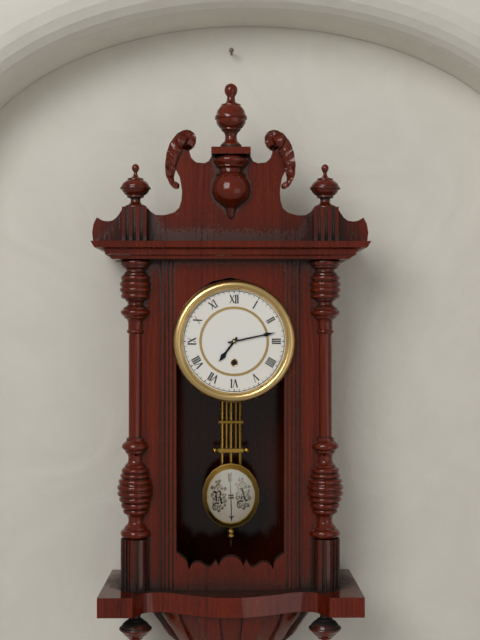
7:13
